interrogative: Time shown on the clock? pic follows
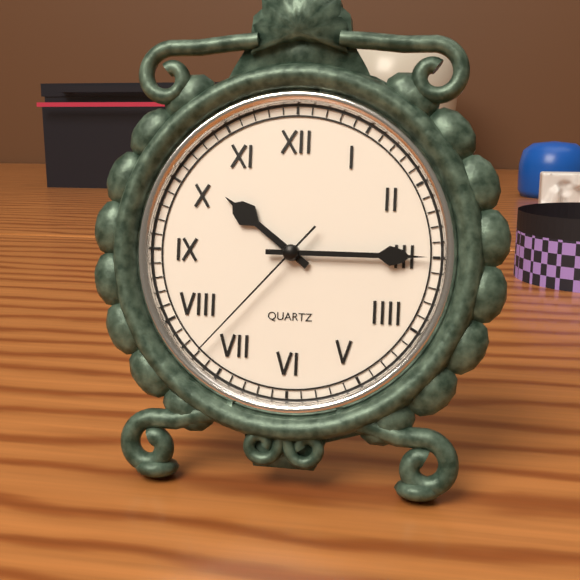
10:15:37
